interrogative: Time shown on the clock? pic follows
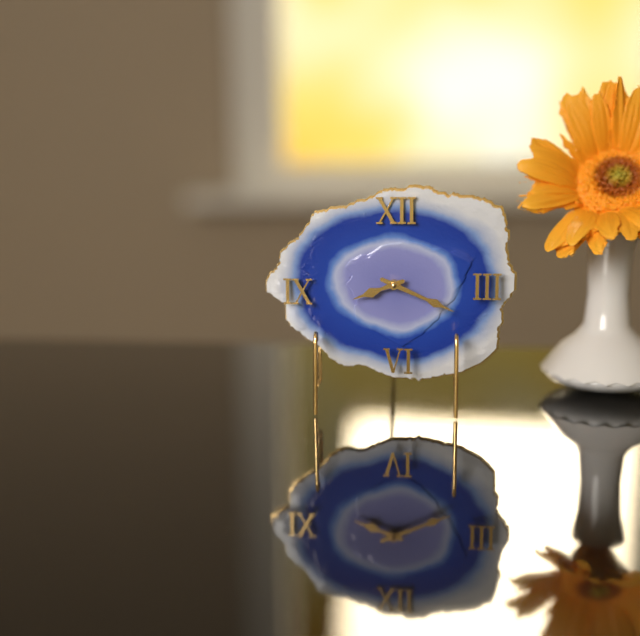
8:19
